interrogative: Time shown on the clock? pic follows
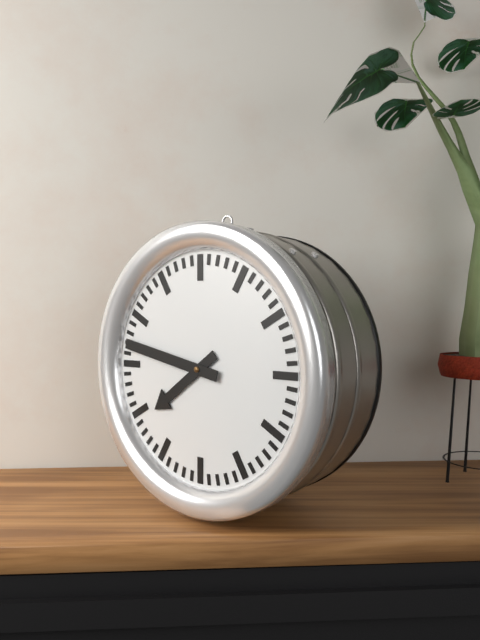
7:47
